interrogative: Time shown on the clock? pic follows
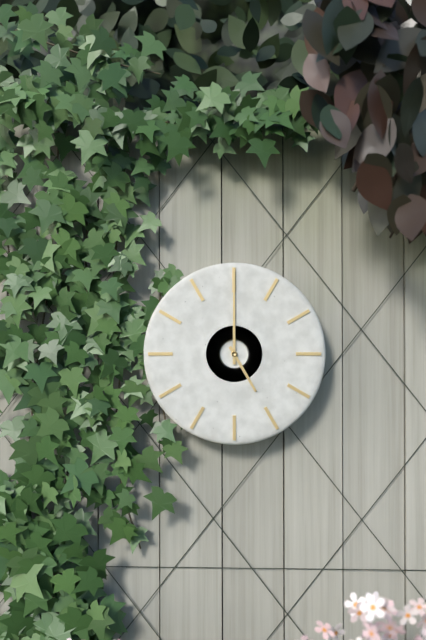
5:00
